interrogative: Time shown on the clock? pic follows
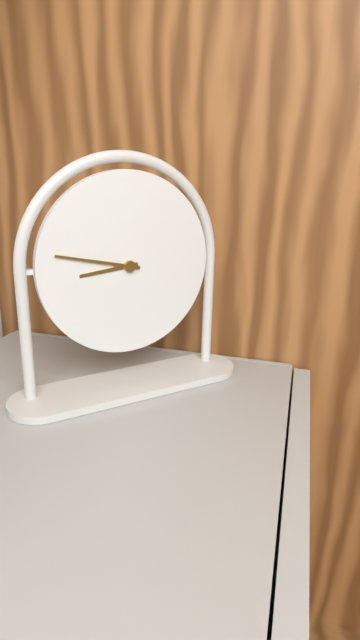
8:47
